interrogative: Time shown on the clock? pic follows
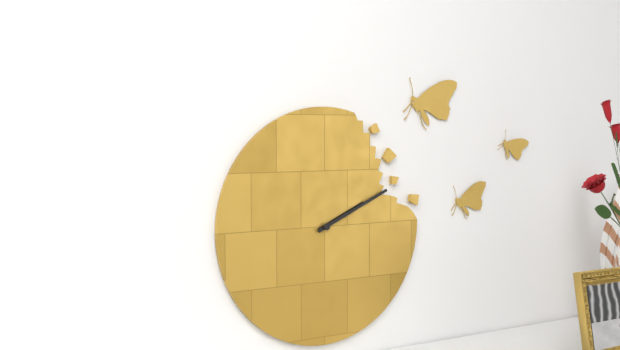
2:11
